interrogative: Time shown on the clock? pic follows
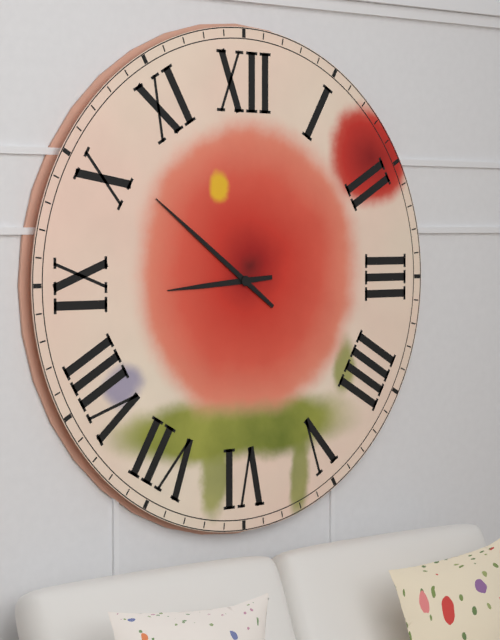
8:51
